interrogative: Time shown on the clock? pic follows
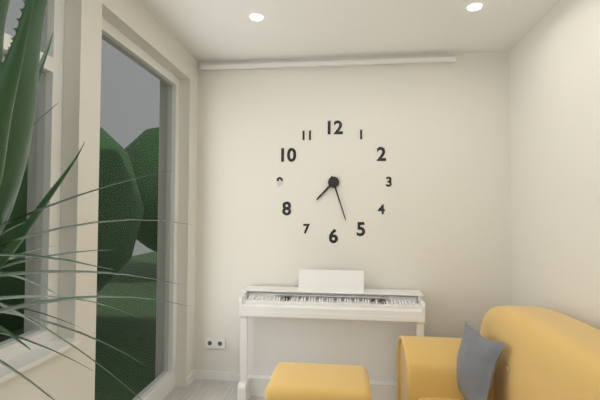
7:27
